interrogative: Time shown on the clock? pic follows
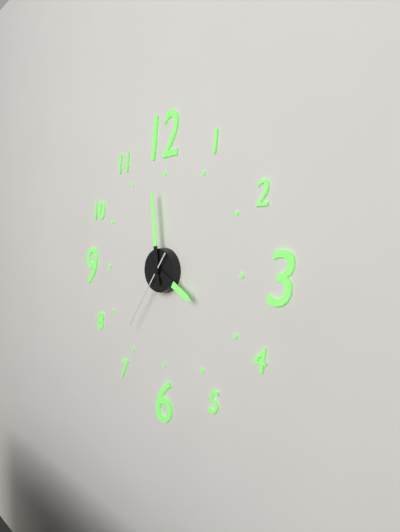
3:59:36
